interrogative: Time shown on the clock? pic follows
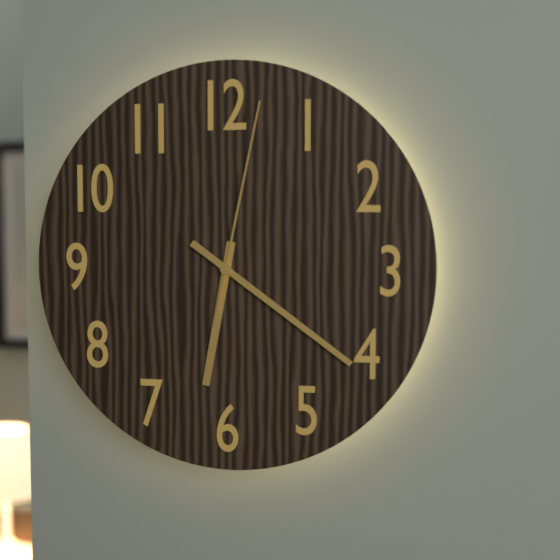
6:21:02
